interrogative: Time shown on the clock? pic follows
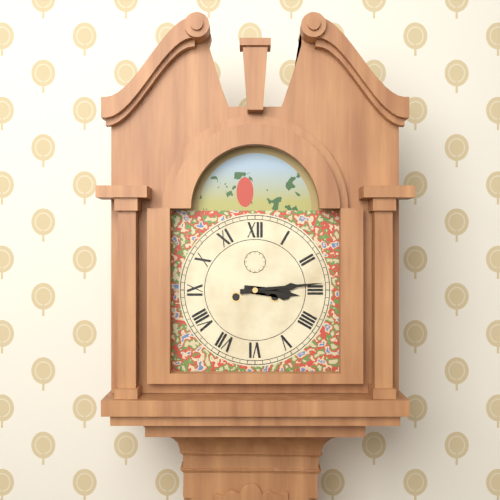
3:14
